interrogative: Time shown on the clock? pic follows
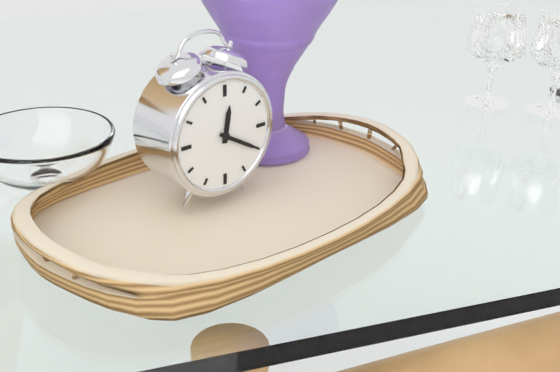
12:20
